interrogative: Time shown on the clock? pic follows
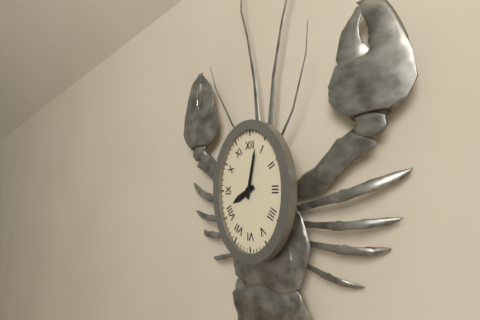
8:02
